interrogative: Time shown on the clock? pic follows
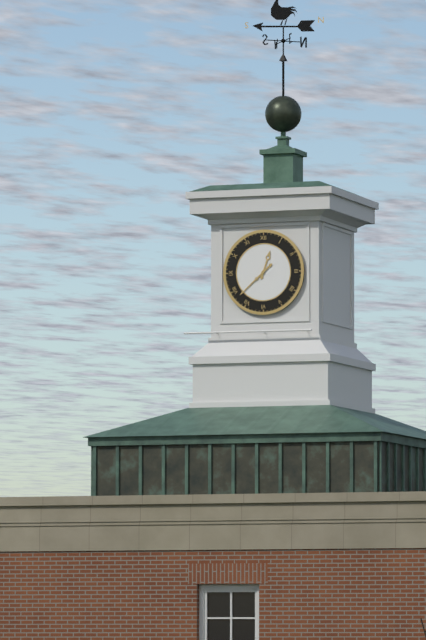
12:38
